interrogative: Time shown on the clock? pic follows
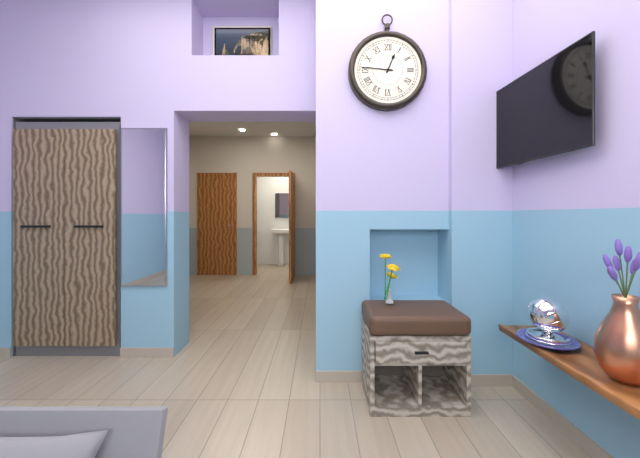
12:46
